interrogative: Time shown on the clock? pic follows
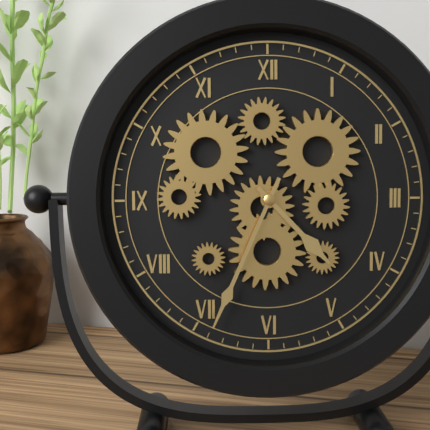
4:34
